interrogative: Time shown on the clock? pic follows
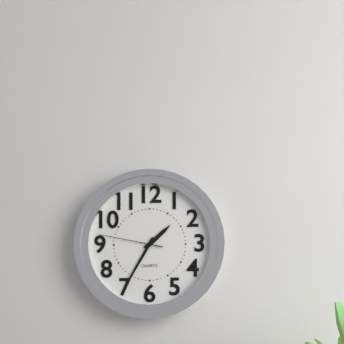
1:35:47
